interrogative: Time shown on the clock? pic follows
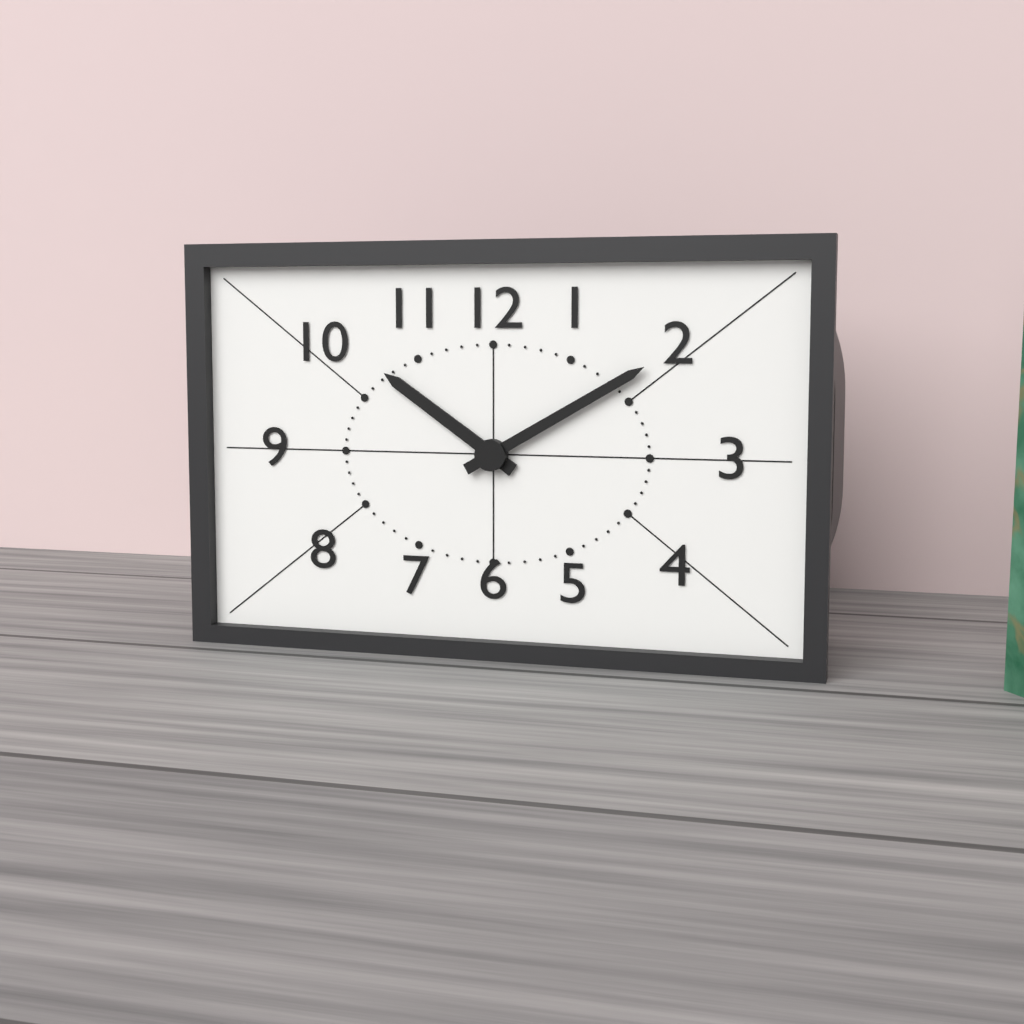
10:10
